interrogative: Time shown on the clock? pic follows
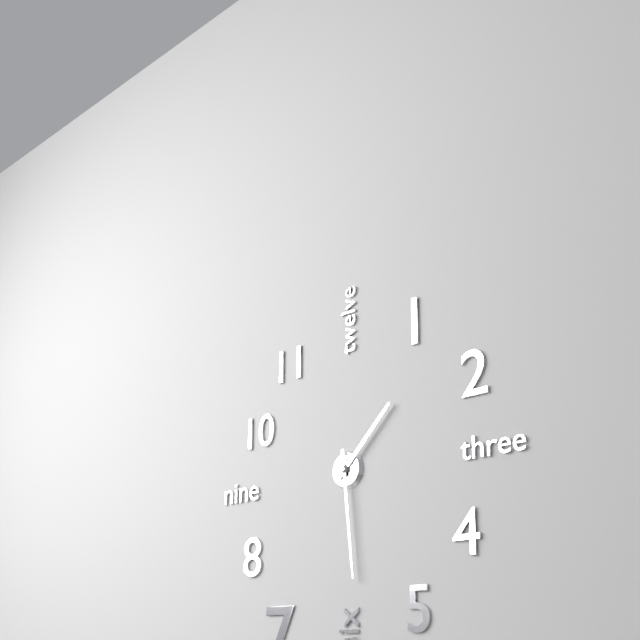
1:29
